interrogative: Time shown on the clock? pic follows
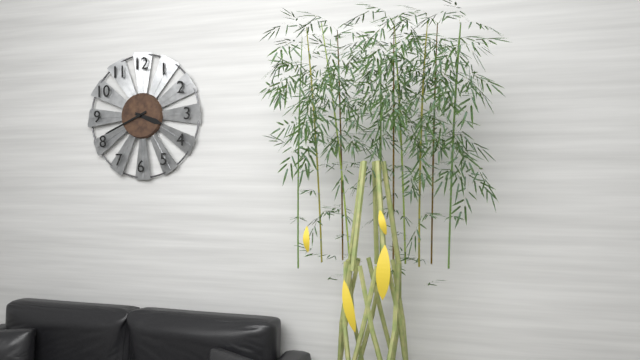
3:41
